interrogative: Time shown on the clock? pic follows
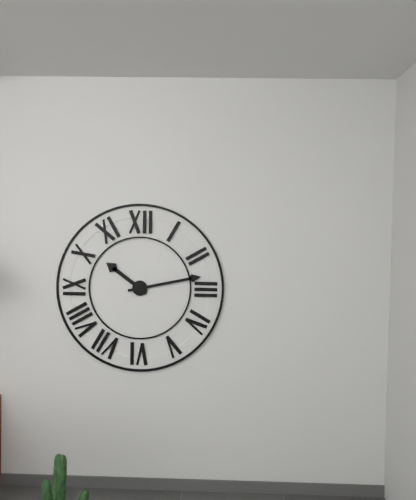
10:13
